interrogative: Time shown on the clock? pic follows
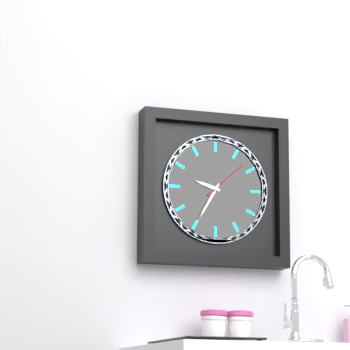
9:35
